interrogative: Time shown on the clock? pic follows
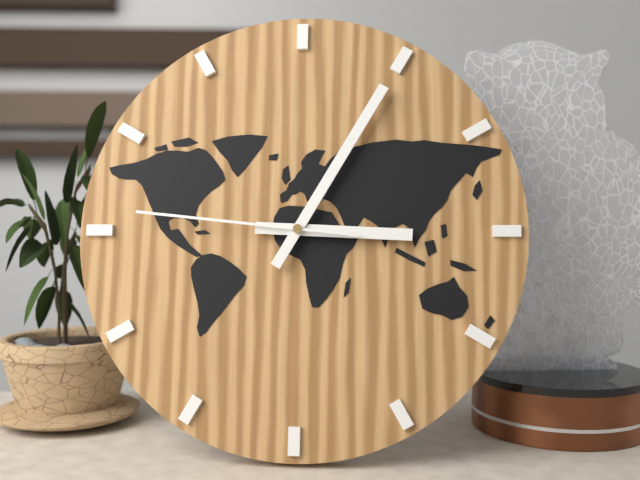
3:05:46
